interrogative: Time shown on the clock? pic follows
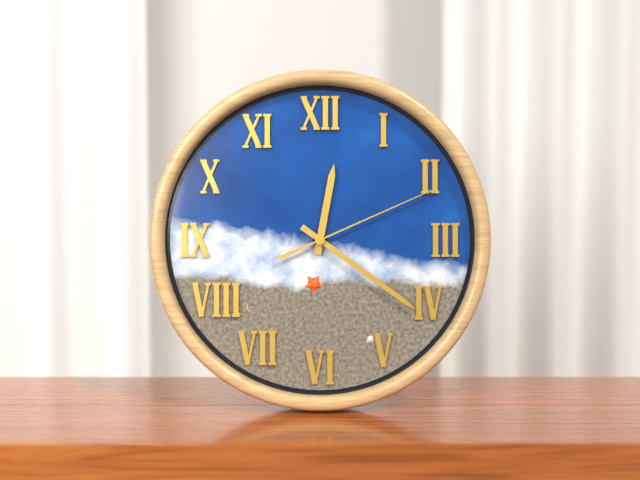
12:21:11
